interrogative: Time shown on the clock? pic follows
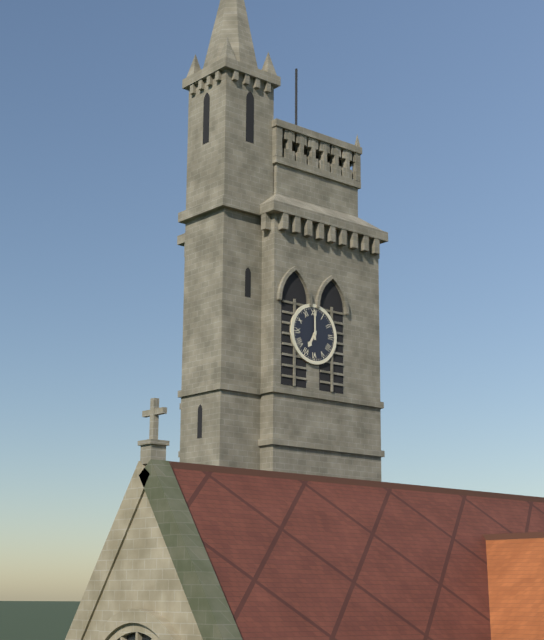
7:00
